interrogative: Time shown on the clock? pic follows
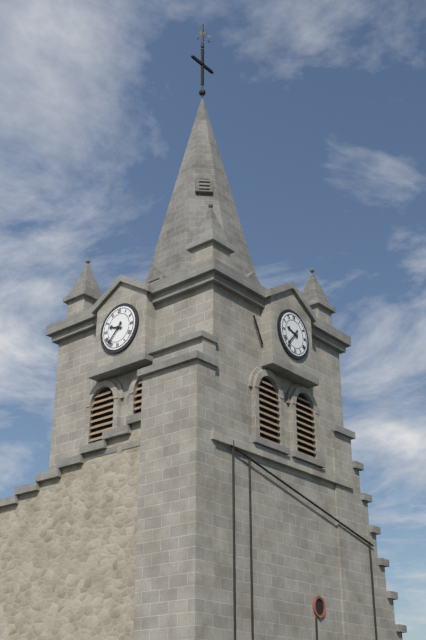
9:37
